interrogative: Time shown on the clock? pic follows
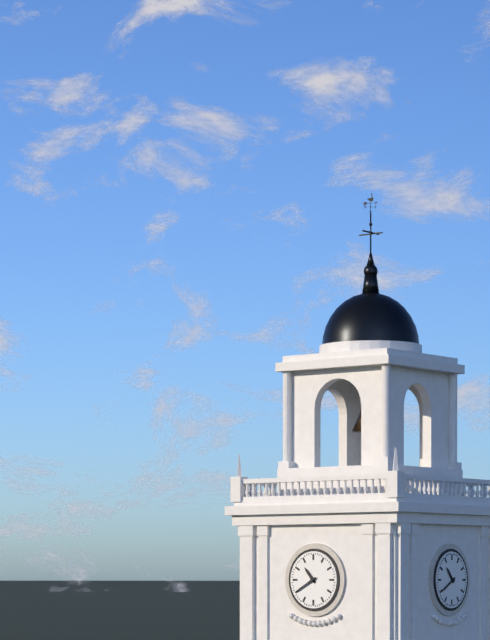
10:40
